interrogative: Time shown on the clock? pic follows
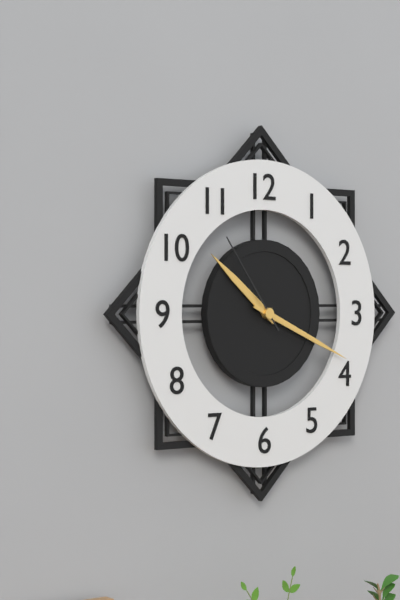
10:19:54
